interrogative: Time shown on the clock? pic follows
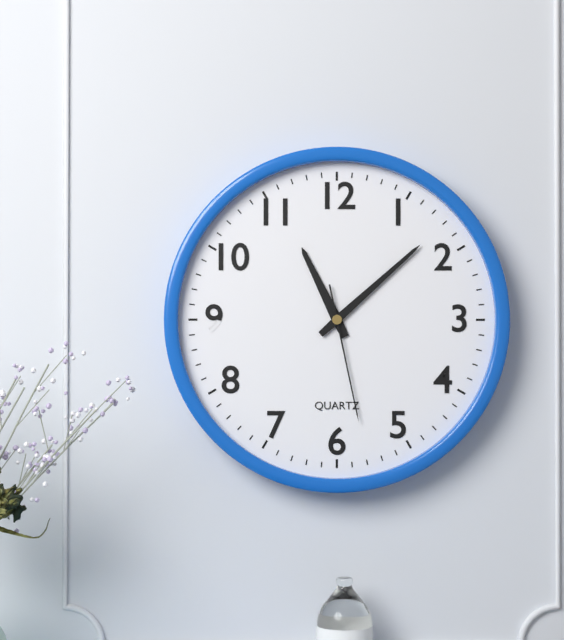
11:08:28
